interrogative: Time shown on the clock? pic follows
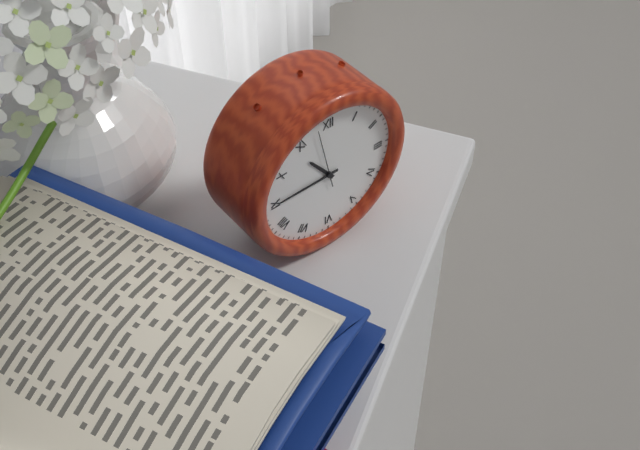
10:45:58
